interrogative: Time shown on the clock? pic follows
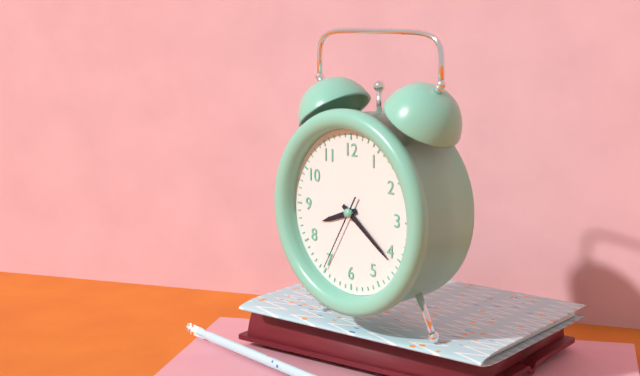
8:21:35
